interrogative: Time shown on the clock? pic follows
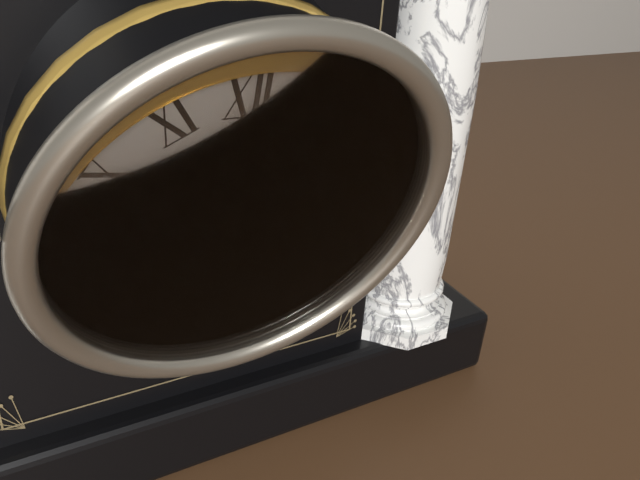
5:34
